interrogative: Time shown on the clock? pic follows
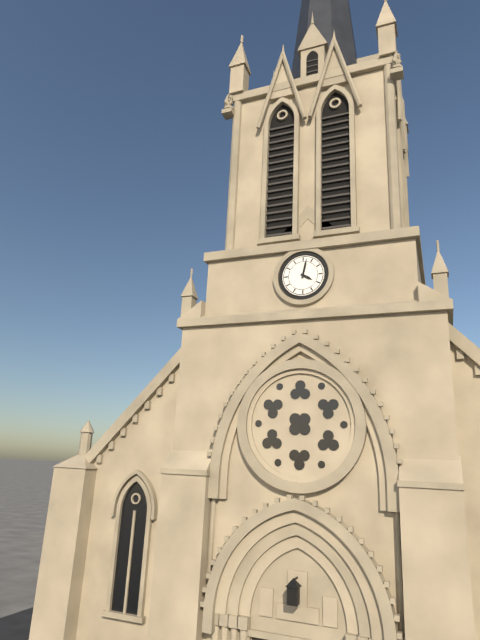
4:02
